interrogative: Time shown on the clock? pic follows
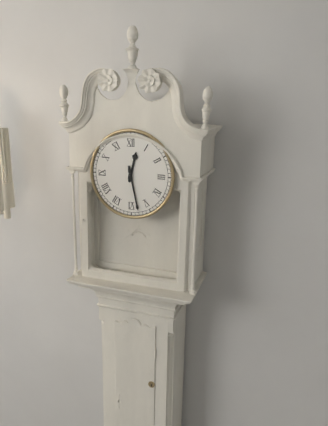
12:28
